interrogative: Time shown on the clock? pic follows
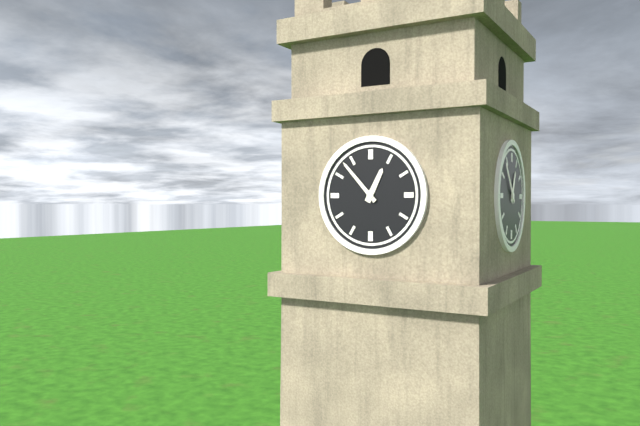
12:53
